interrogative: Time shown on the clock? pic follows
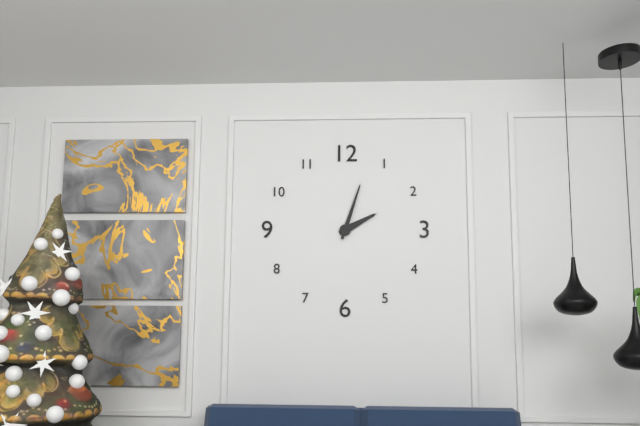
2:03
